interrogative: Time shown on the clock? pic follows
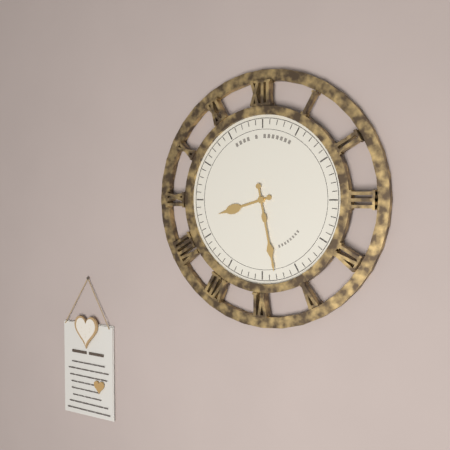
8:28
